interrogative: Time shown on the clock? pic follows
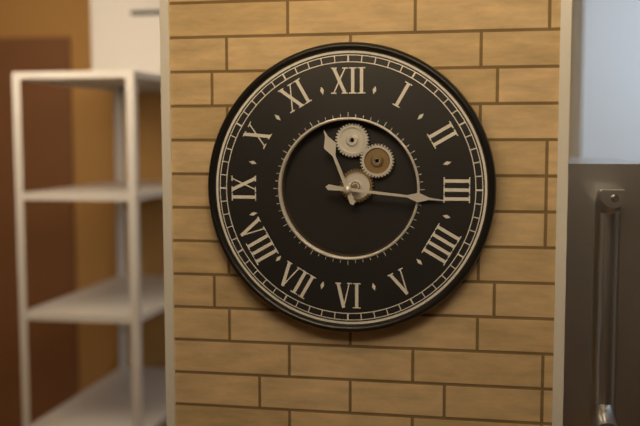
11:16
